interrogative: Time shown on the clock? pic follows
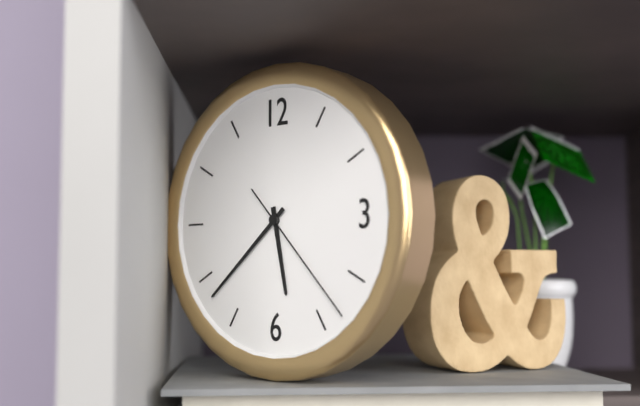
5:38:23
